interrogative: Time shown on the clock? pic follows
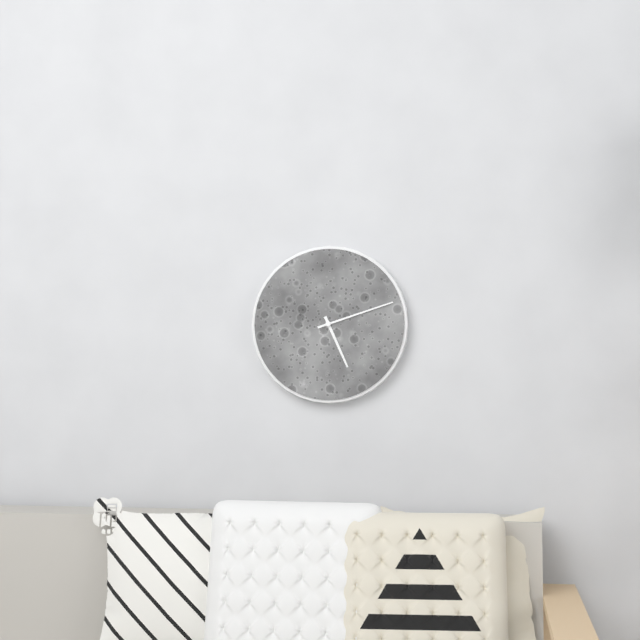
5:12
